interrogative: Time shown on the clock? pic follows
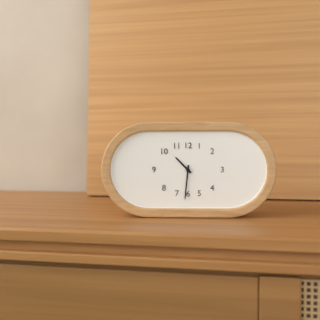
10:31
